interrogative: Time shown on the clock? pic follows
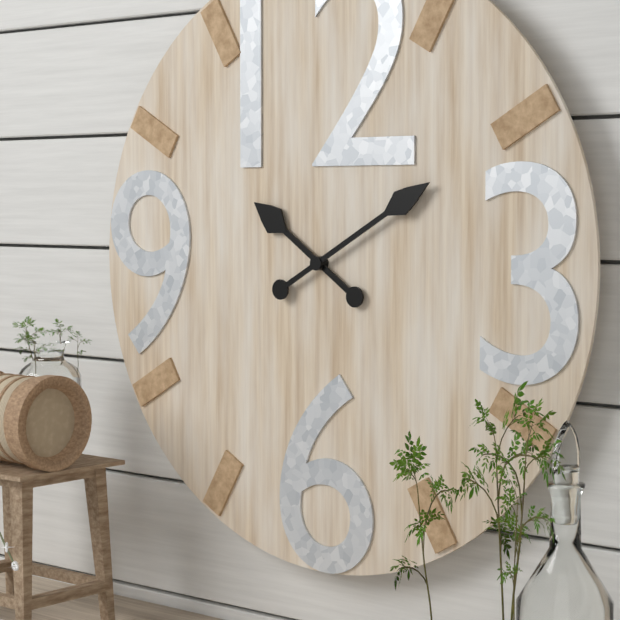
10:10
